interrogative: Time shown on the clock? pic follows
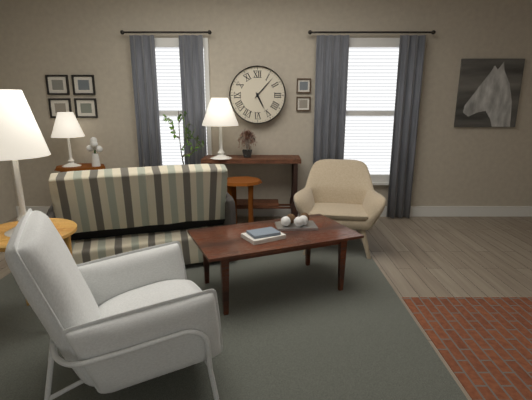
5:07
